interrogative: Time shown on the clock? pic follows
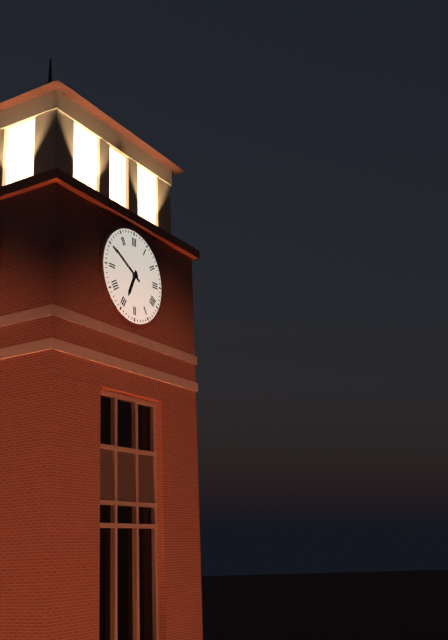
6:50
